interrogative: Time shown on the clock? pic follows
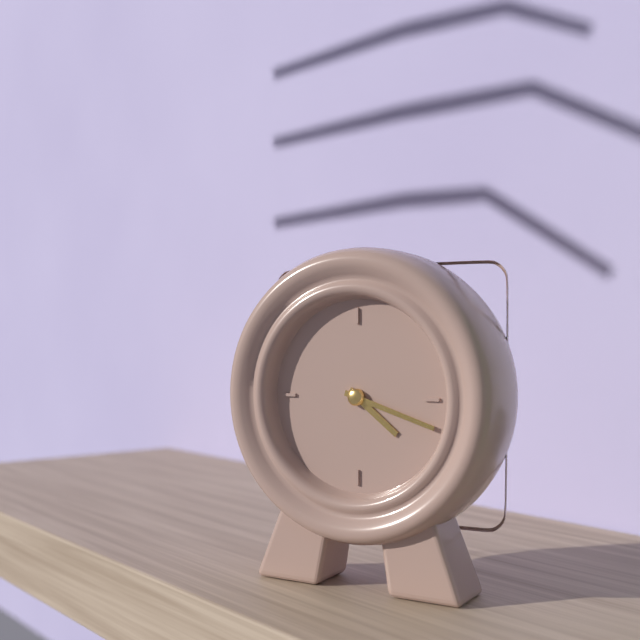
4:18
